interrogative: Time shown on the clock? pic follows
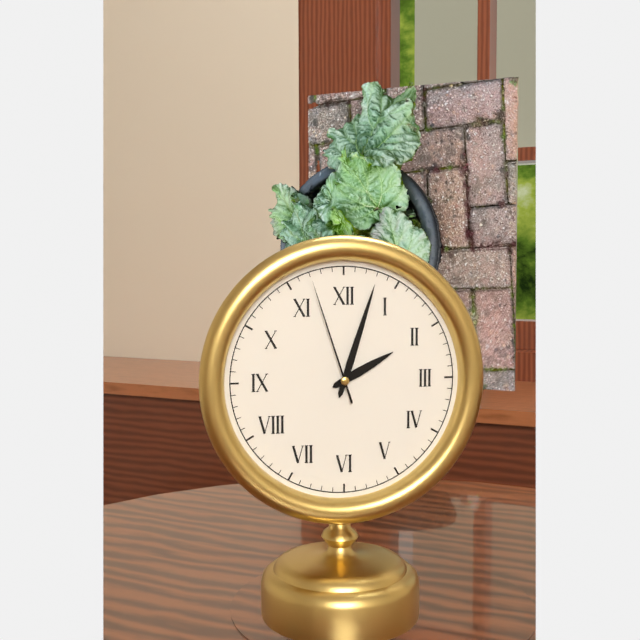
2:03:57
